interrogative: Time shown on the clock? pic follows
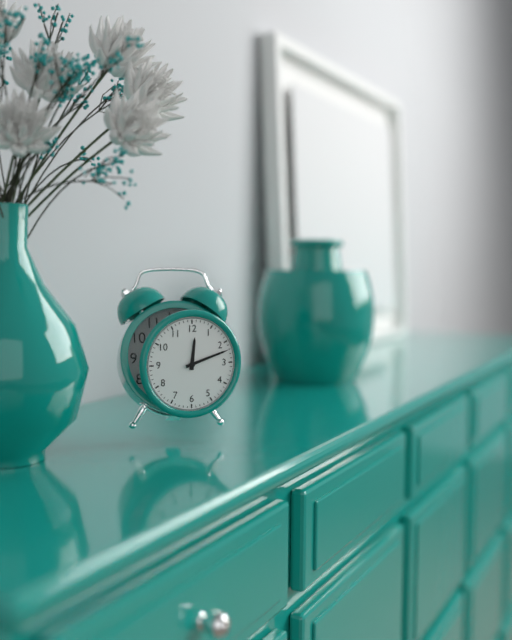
12:12
